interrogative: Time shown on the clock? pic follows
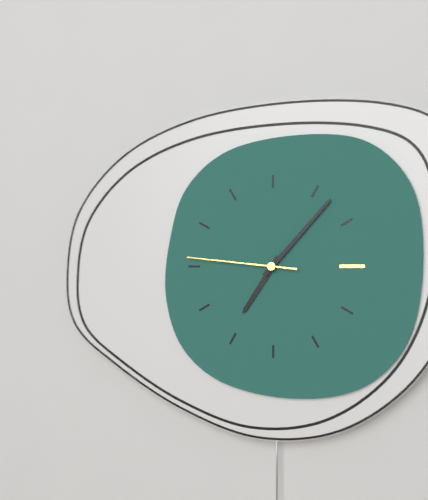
7:07:46
